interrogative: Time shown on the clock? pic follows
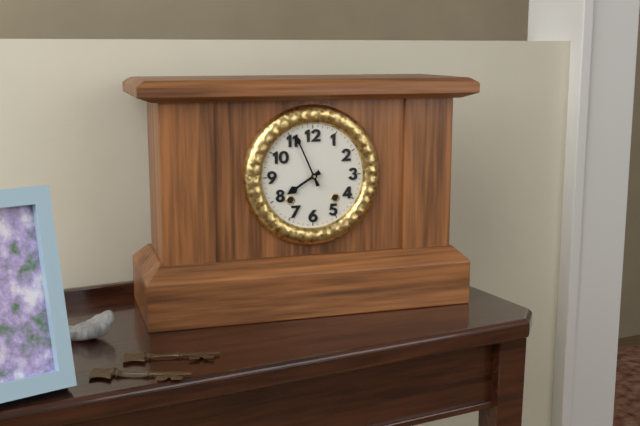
7:56
